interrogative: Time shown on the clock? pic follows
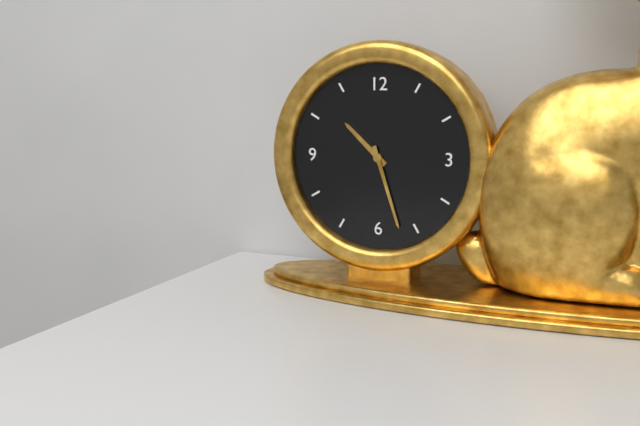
10:27
